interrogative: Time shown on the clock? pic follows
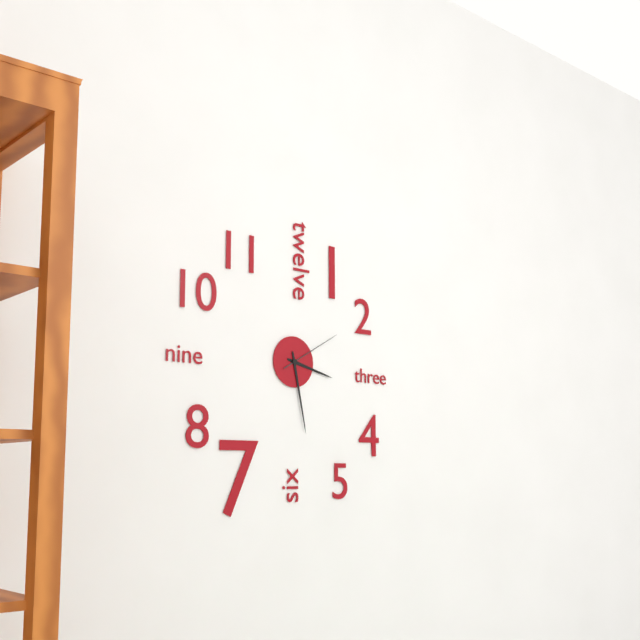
3:28:10
